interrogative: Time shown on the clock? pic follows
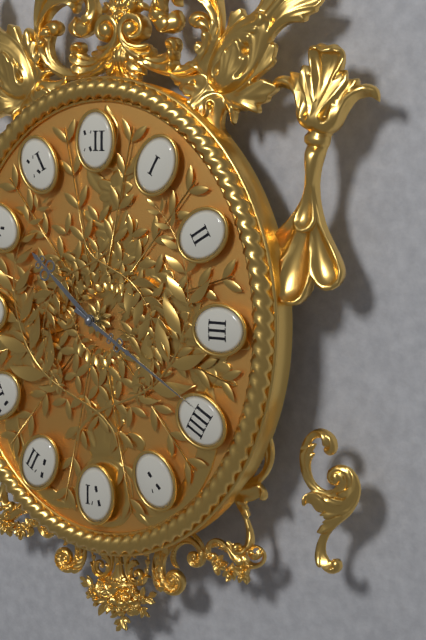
10:20
